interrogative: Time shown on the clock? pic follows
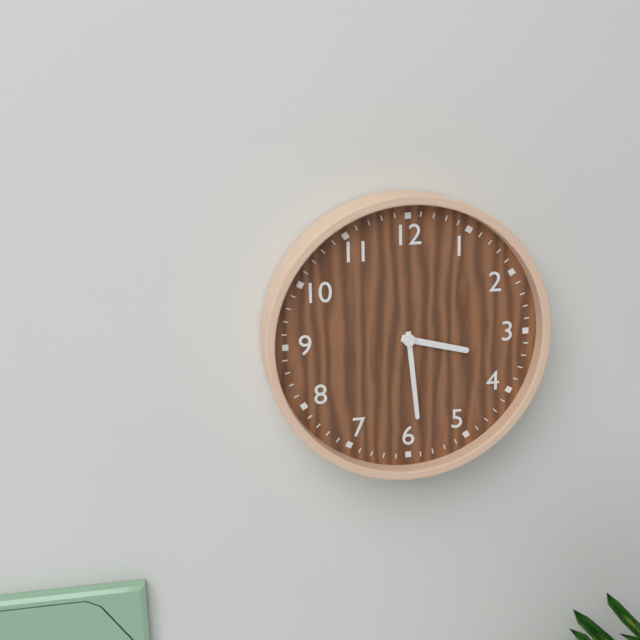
3:29
